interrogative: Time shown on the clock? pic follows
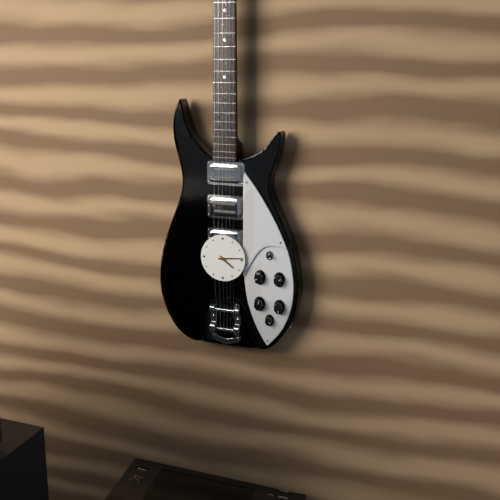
4:14
